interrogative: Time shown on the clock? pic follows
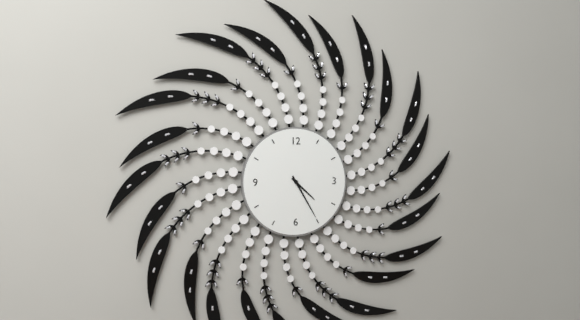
4:25
